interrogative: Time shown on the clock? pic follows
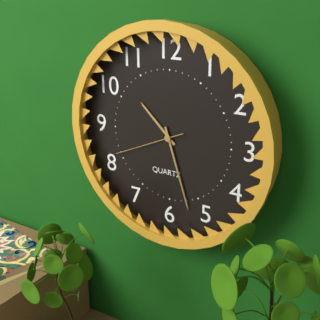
10:27:41
